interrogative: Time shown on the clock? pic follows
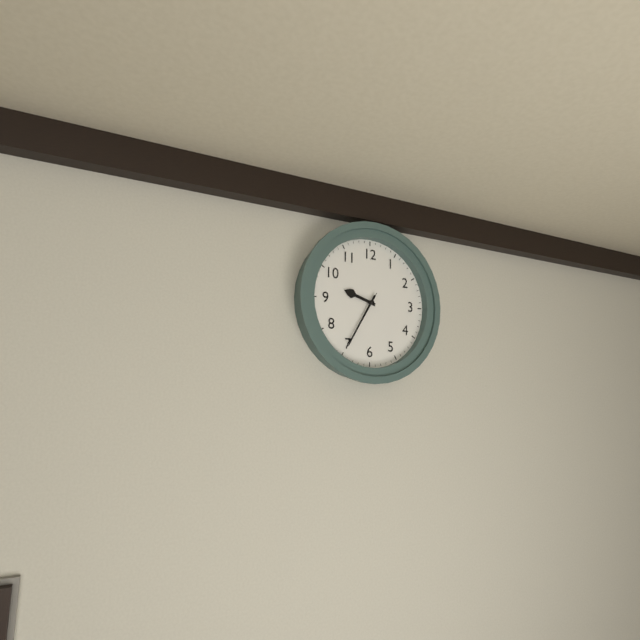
9:35:35
